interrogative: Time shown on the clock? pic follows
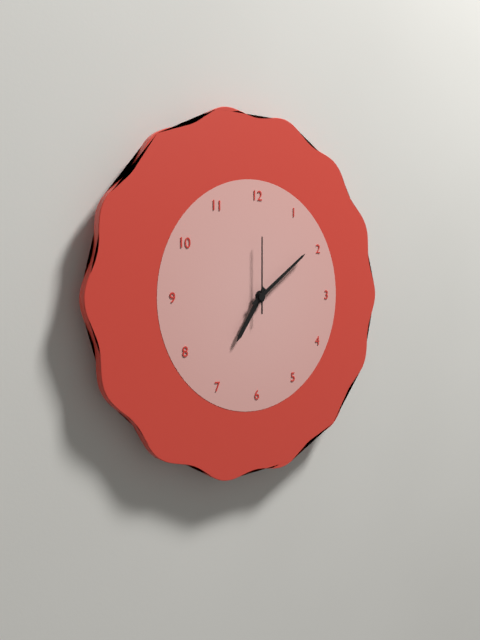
7:09:00
